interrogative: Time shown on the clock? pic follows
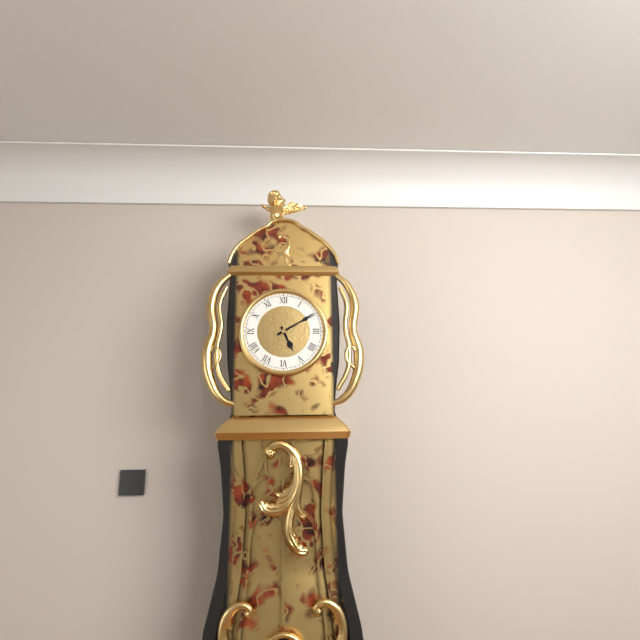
5:10
